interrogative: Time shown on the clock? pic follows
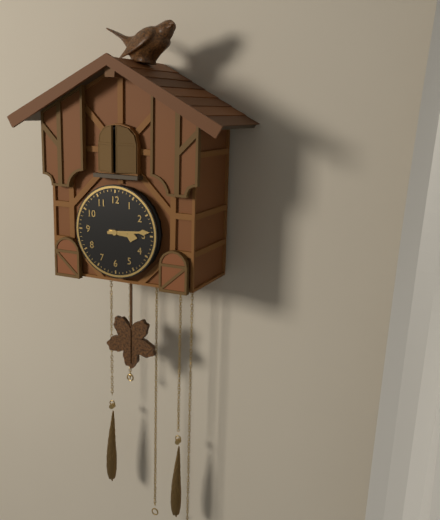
3:14
